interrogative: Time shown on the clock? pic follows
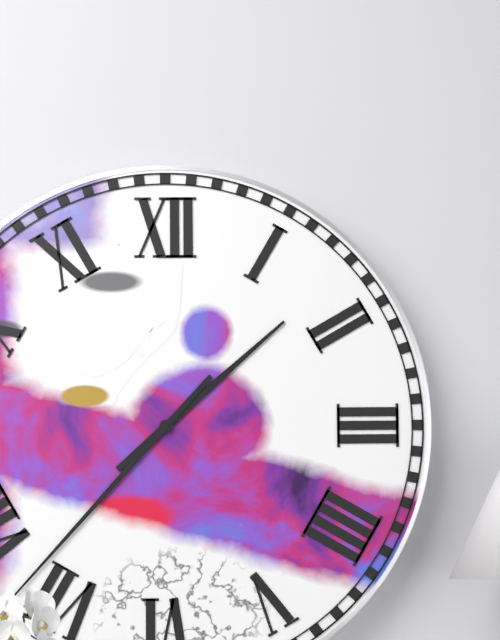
1:37
